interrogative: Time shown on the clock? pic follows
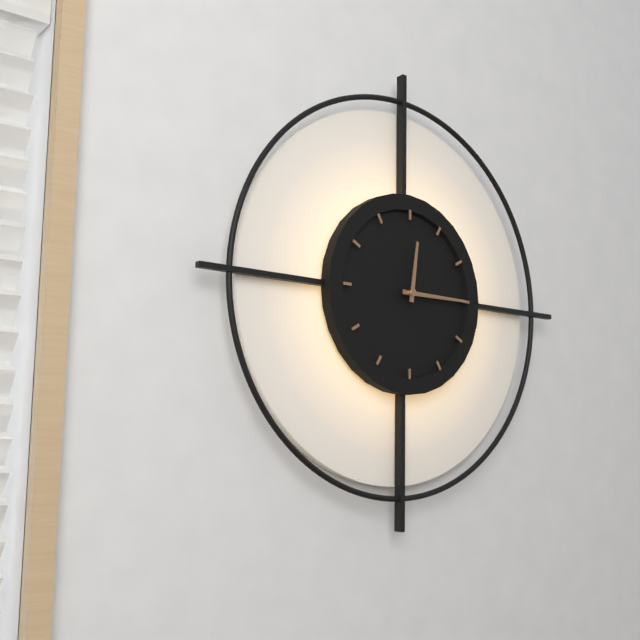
12:15
